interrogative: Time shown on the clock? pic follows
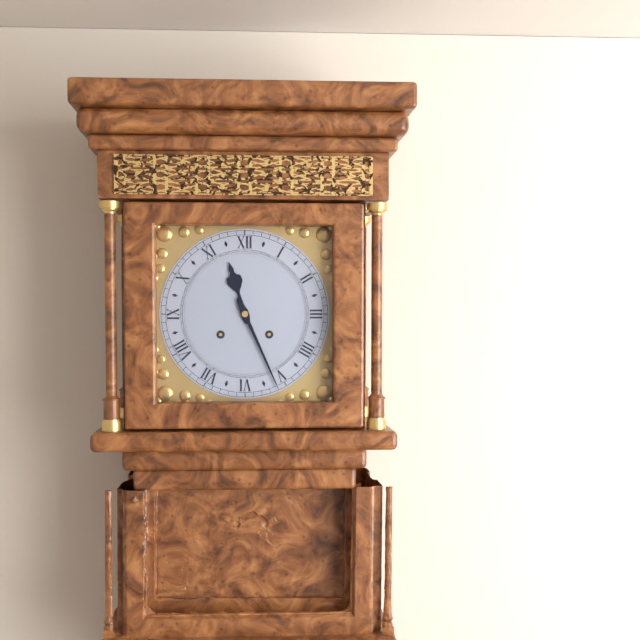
11:26
